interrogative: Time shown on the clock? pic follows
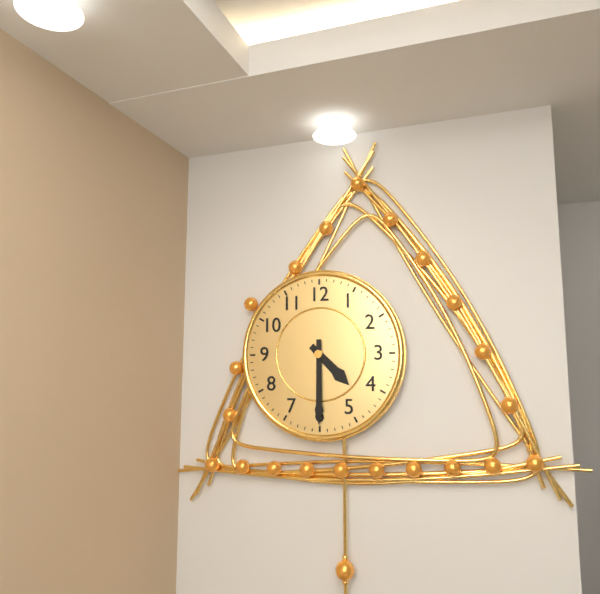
4:30
